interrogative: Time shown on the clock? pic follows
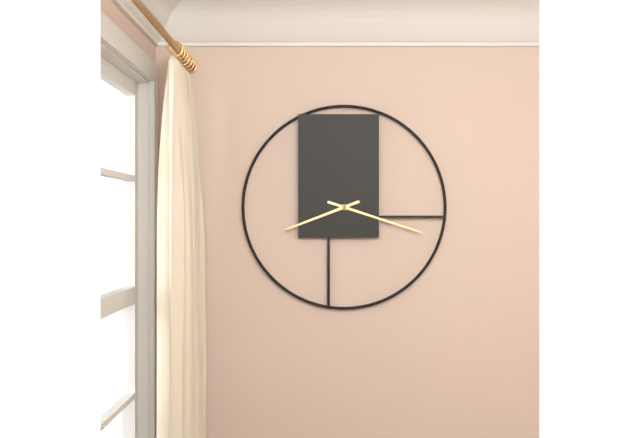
8:18
